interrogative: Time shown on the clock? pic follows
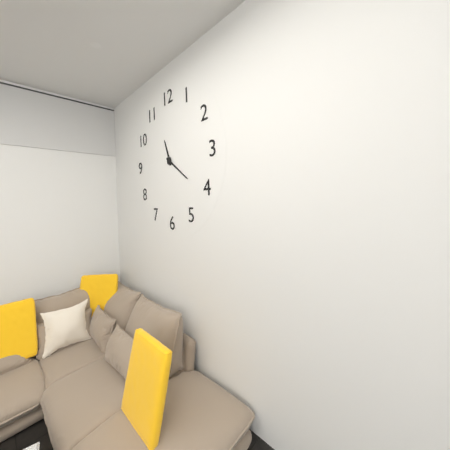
11:21
